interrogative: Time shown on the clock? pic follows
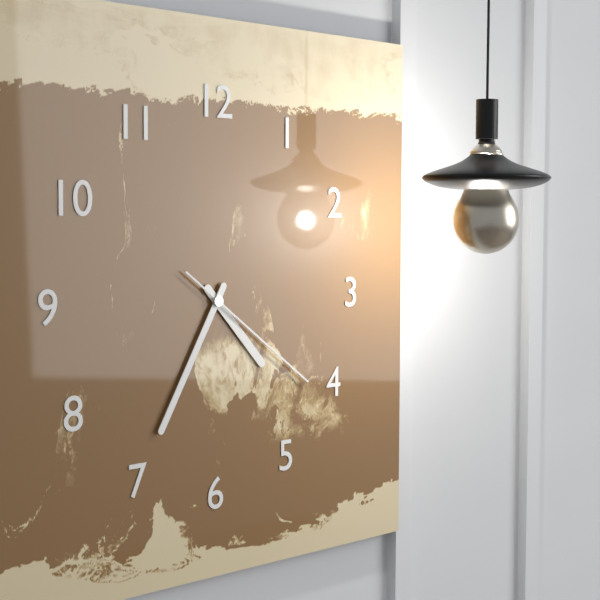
4:35:21
